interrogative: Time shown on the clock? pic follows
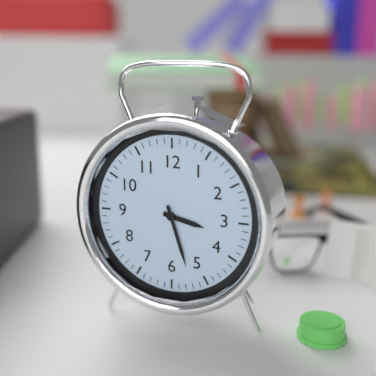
3:27
